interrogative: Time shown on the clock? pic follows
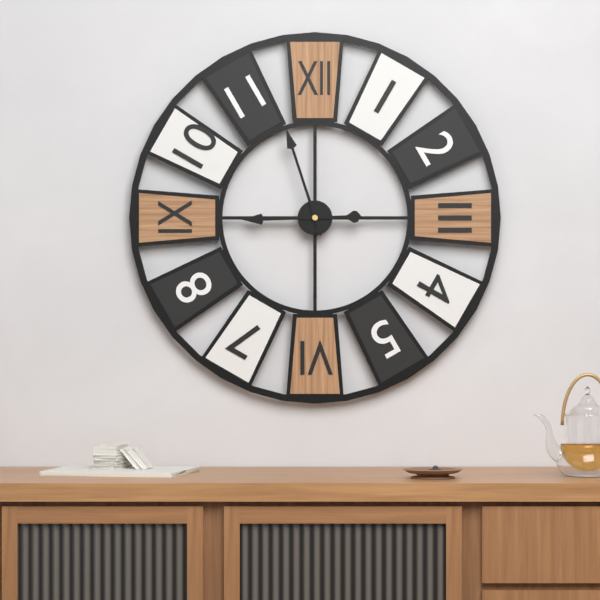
8:57
